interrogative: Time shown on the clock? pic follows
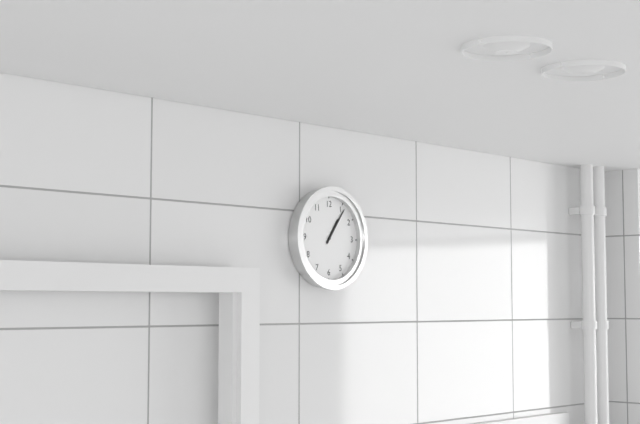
1:06
